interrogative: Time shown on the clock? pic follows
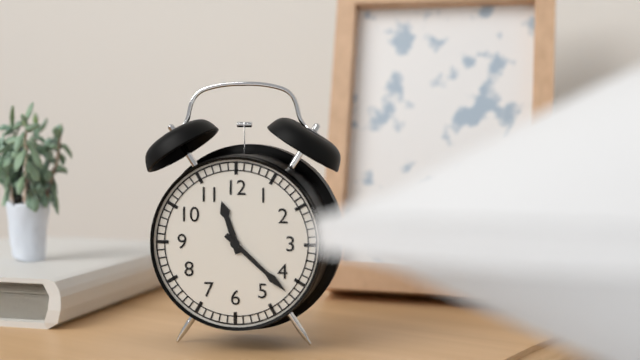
11:22
